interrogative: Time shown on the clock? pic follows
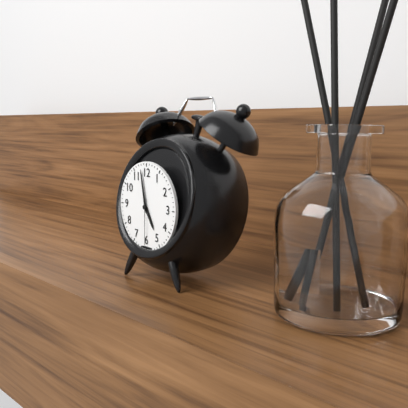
4:58
